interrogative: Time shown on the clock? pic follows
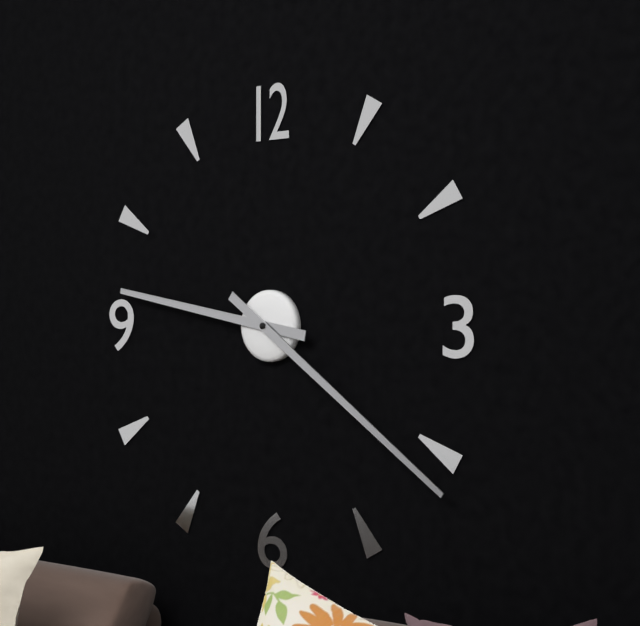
9:21
